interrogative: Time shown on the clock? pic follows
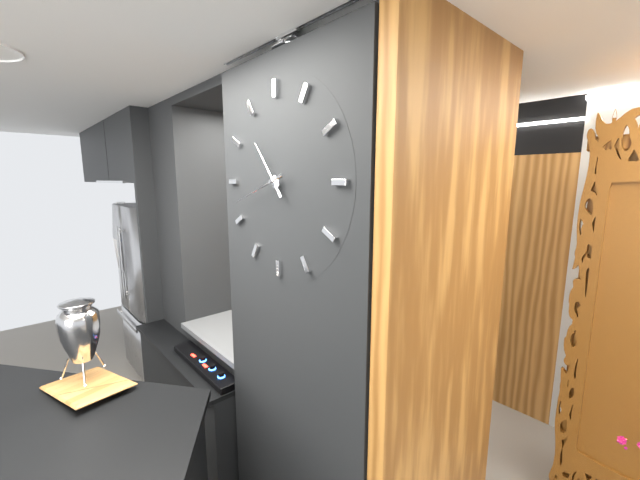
10:42
